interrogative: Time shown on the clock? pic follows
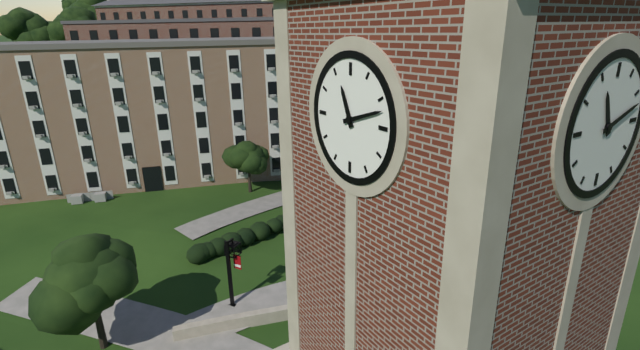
11:12
